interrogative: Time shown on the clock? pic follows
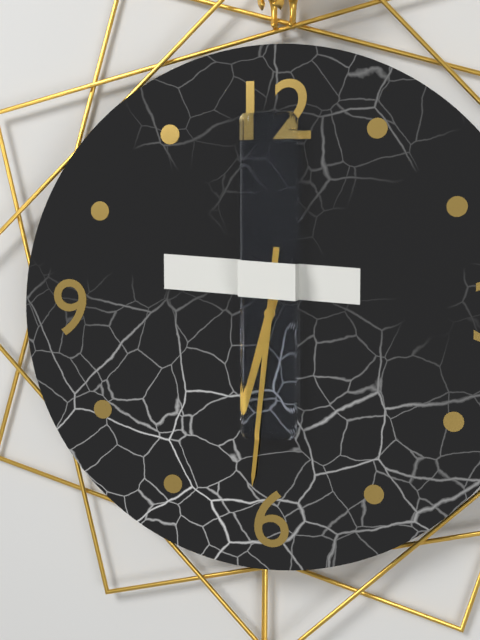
6:31
